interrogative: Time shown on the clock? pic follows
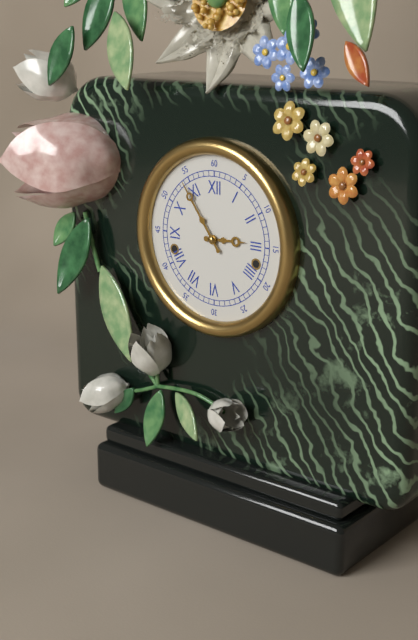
2:54
